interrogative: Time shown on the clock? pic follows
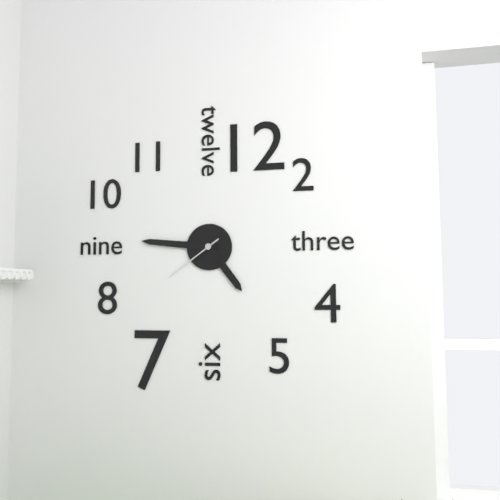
4:46:39
